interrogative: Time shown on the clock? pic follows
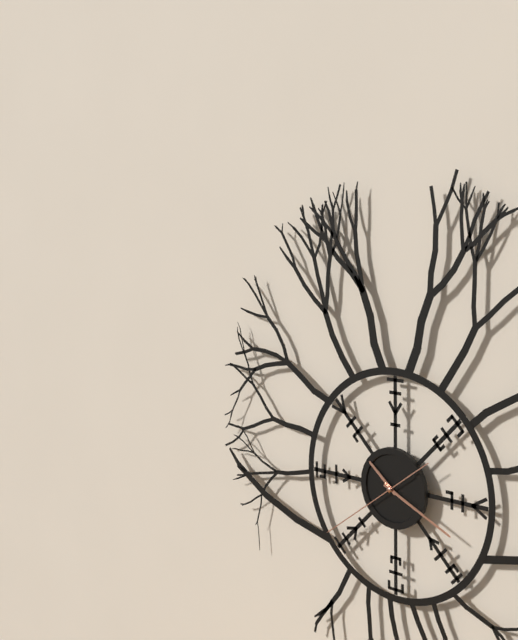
10:19:39
